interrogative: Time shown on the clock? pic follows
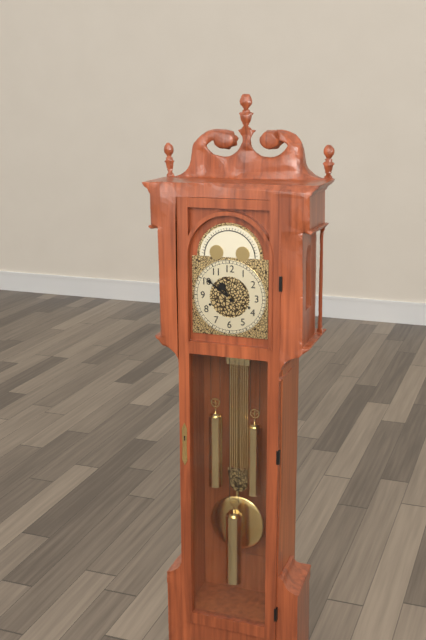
10:51
